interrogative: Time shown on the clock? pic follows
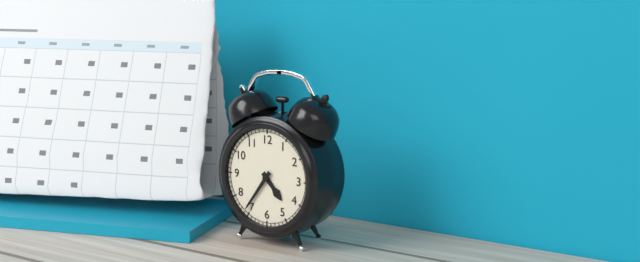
4:36
